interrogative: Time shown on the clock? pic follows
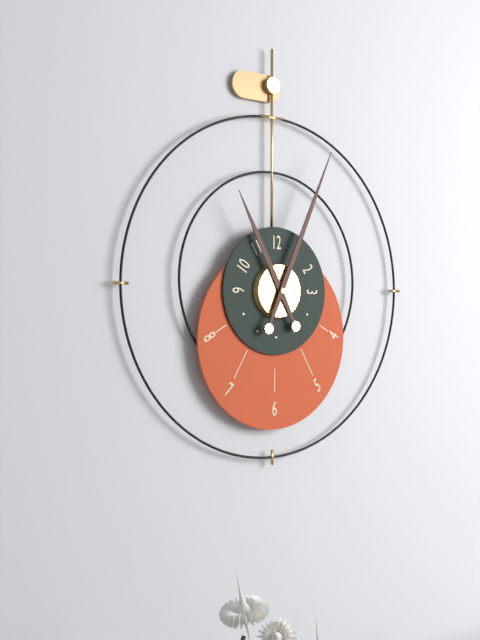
11:04
